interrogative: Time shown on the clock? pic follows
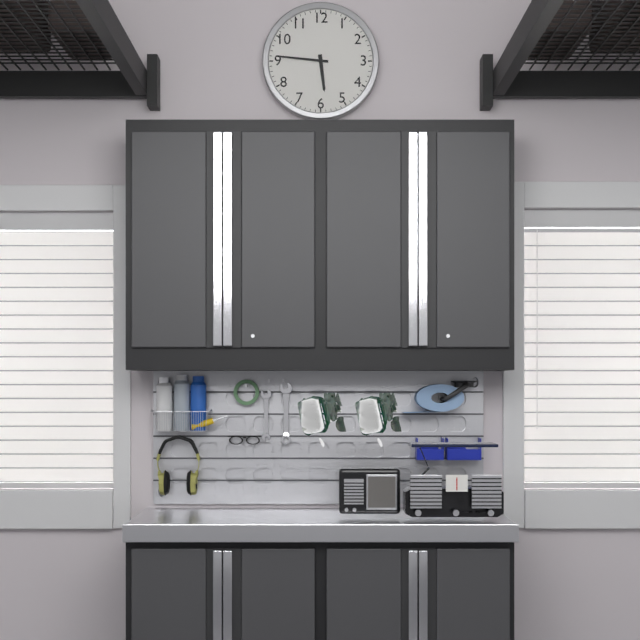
5:46
